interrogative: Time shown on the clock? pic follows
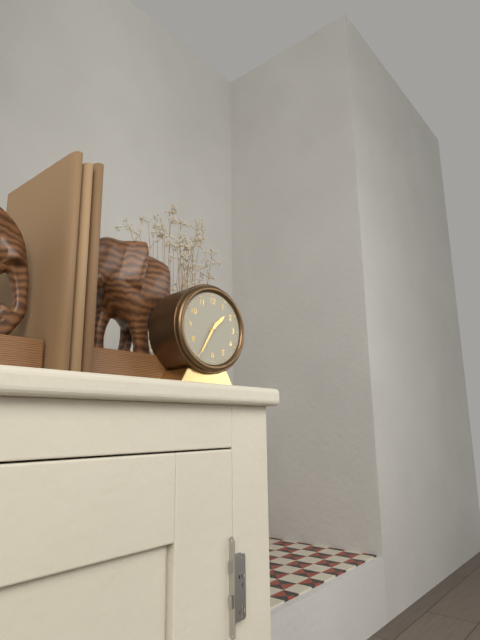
1:35
